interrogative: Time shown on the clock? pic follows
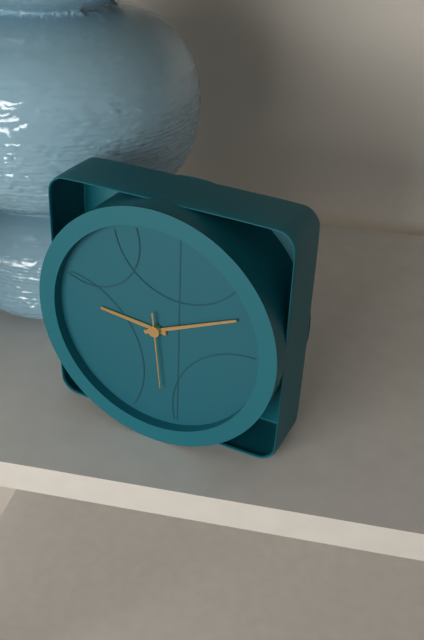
9:11:29
